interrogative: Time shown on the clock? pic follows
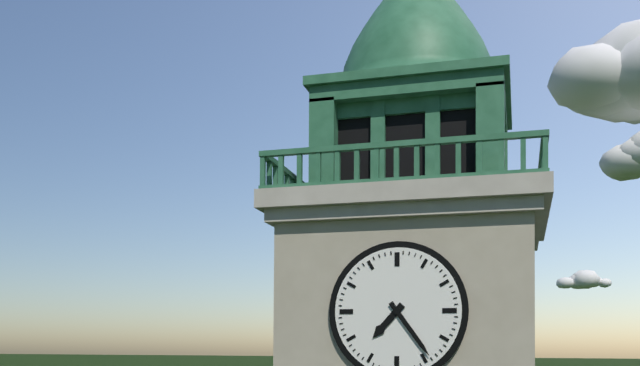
7:24
